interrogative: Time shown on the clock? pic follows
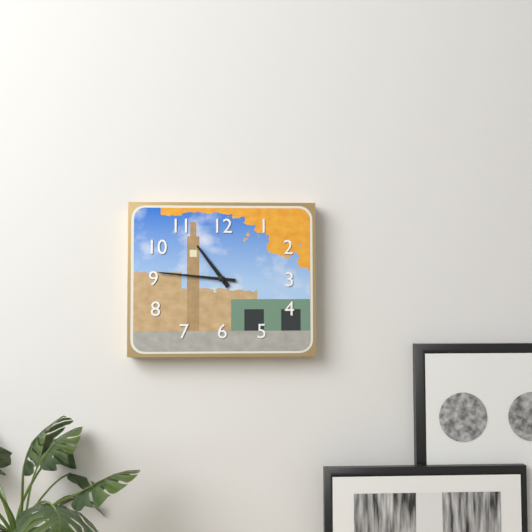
10:46
